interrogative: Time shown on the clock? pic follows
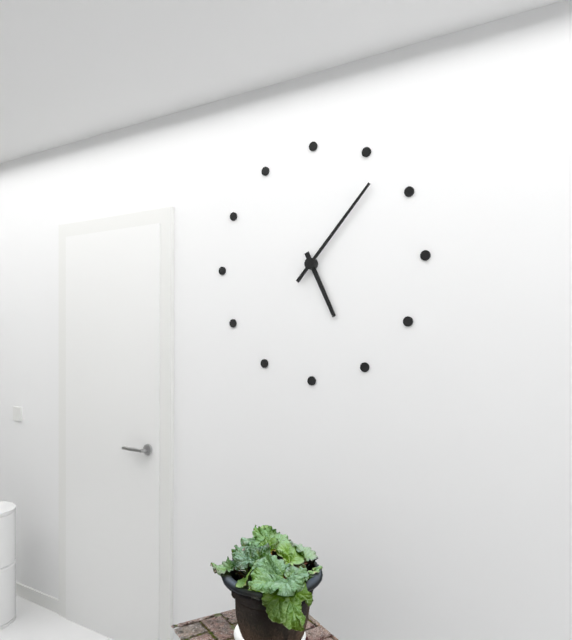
5:07
